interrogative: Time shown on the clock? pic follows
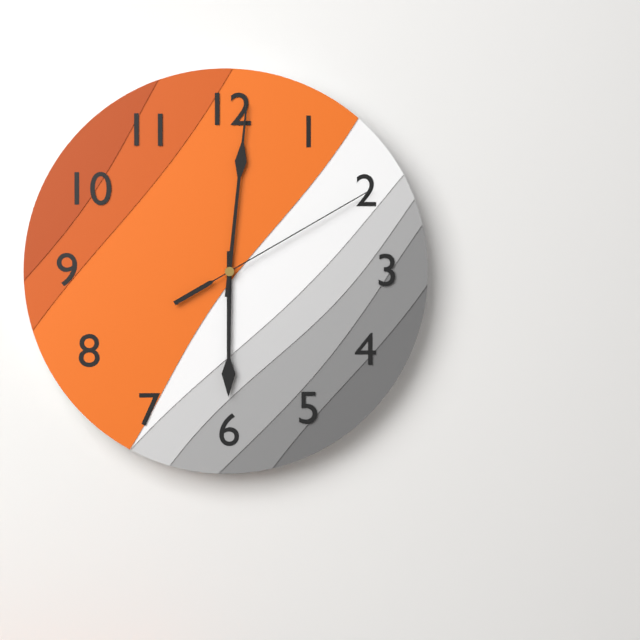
6:01:10
